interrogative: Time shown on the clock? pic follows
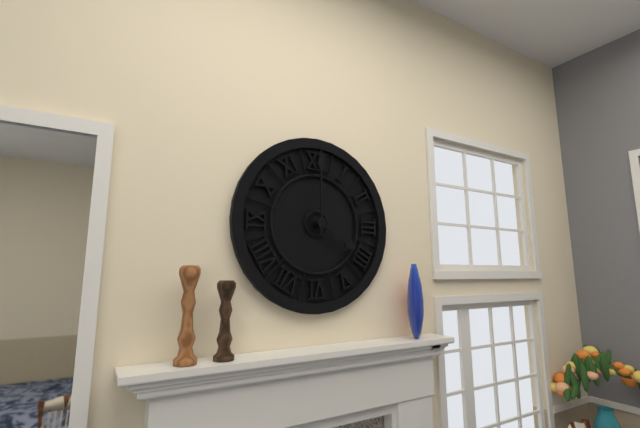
4:00
